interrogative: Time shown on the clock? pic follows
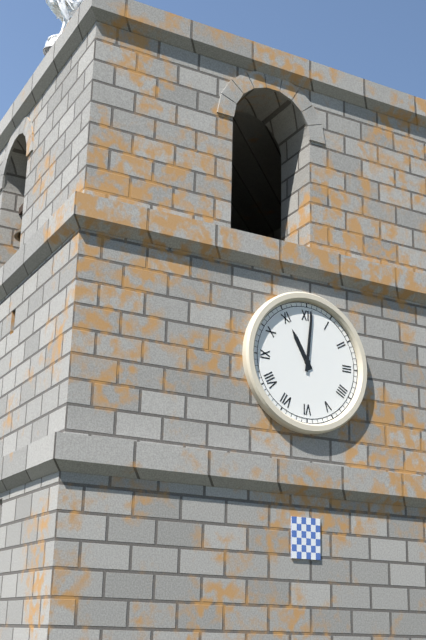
11:01
